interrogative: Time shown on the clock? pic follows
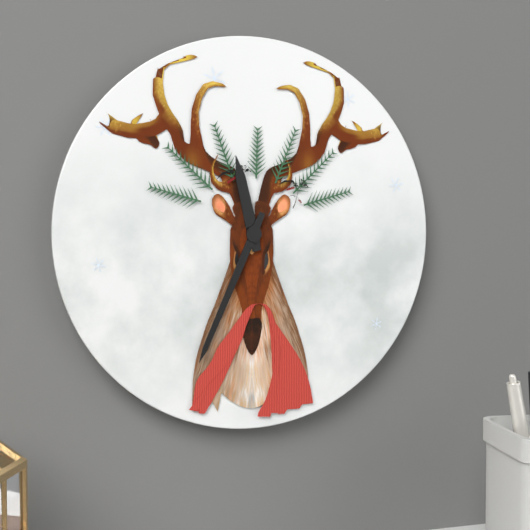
11:34
